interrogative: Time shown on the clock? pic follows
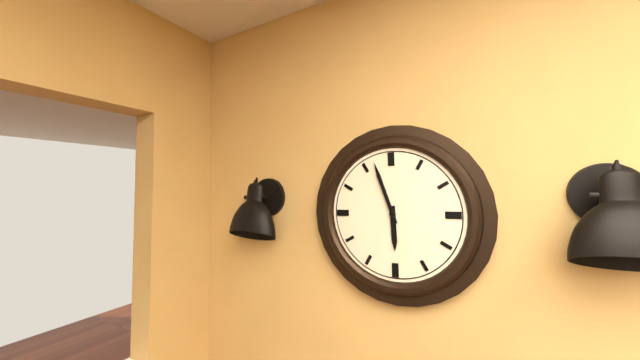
5:57
